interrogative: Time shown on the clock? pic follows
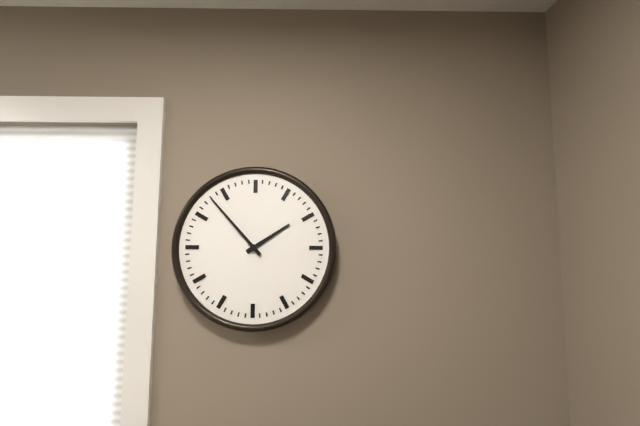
1:53
